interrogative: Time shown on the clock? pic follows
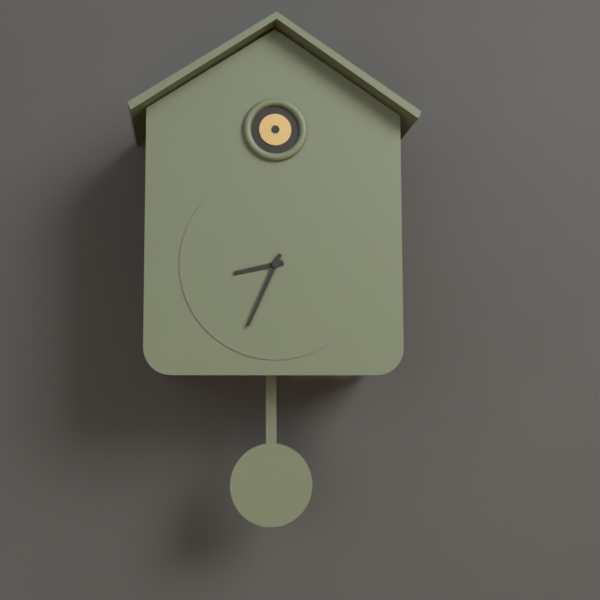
8:34
